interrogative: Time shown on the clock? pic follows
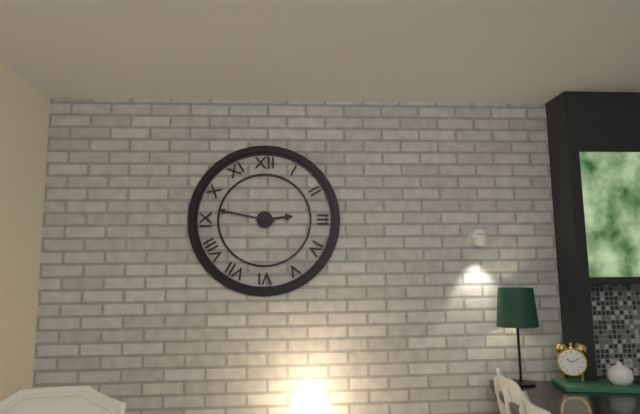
2:47
